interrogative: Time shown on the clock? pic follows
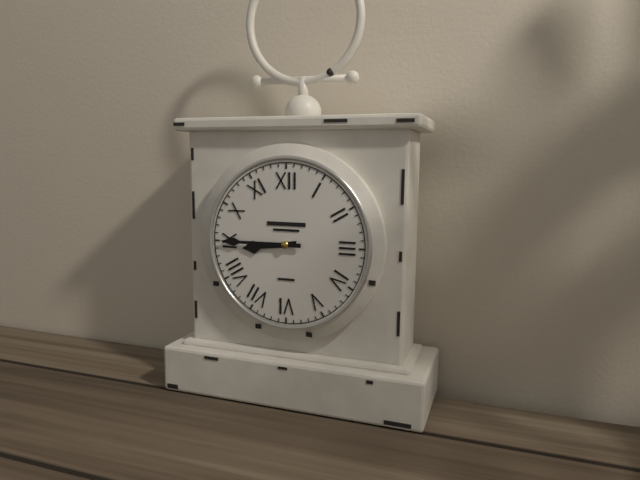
8:45
